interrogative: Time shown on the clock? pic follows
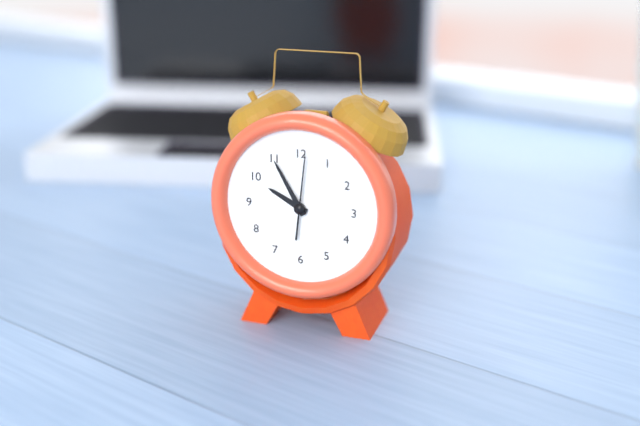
9:55:01
